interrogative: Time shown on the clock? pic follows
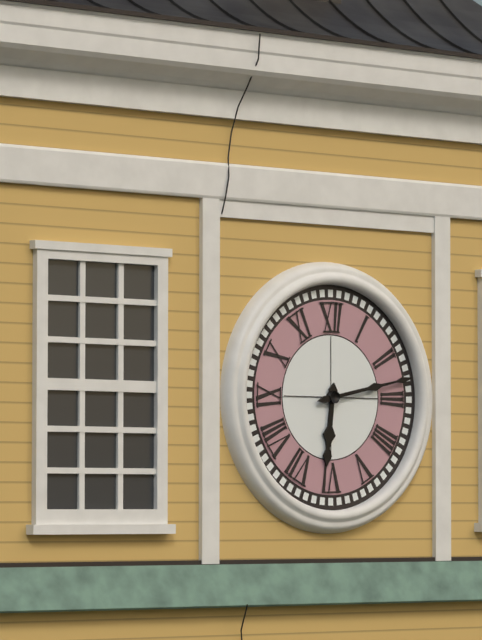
6:13
